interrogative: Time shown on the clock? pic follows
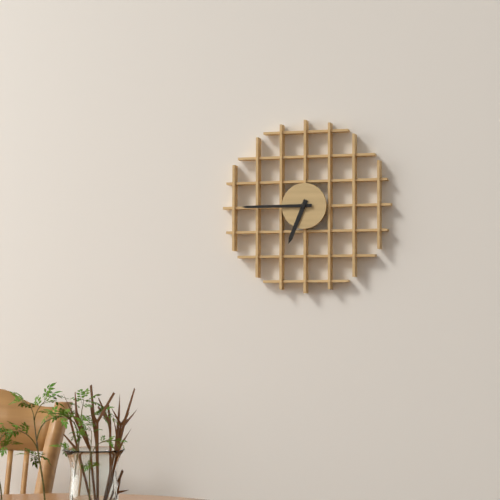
6:45
